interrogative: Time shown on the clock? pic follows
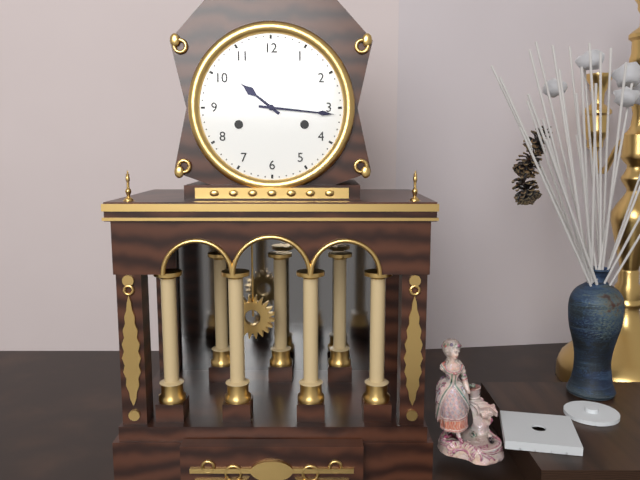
10:16
